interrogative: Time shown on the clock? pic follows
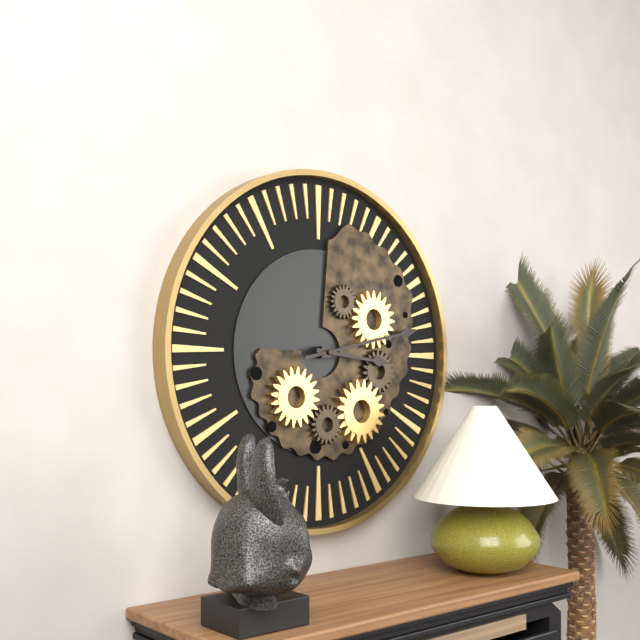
3:13
